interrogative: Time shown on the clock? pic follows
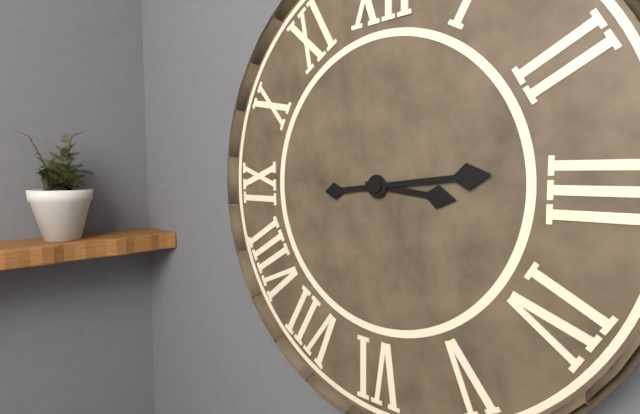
3:14
